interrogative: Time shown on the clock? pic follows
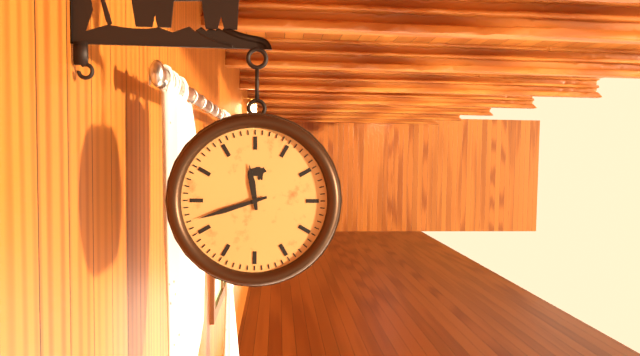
11:42
